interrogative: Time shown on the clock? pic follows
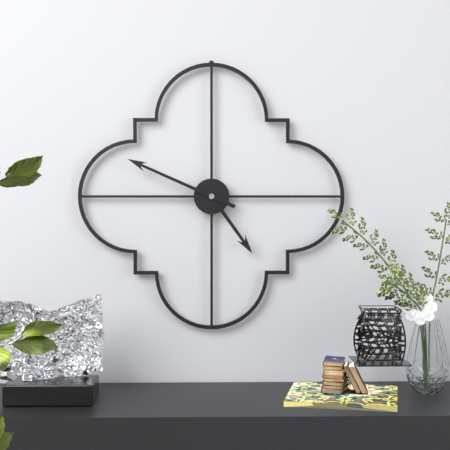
4:49
